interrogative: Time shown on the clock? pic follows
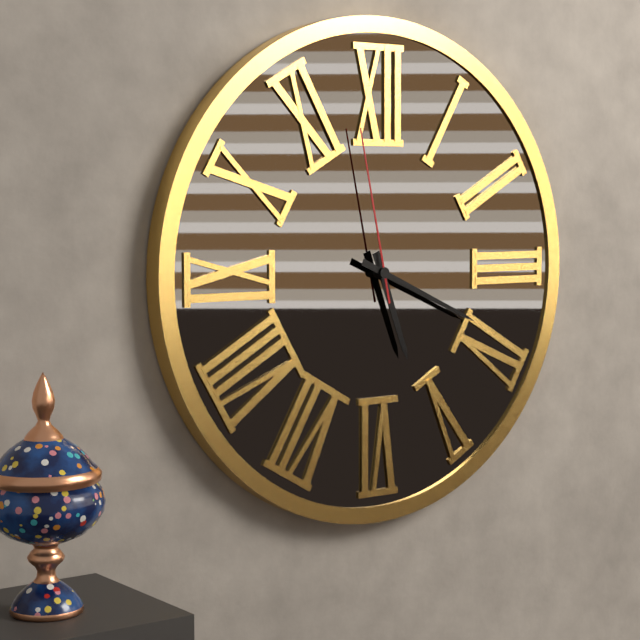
5:19:58
